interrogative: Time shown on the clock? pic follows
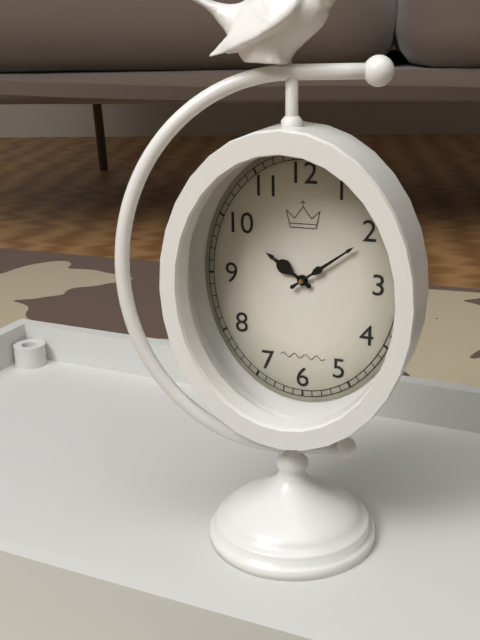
10:09
